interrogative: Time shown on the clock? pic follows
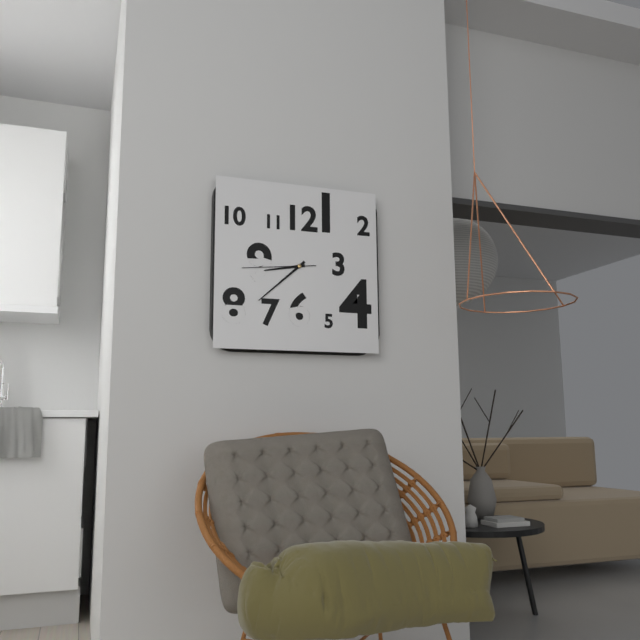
8:38:44
